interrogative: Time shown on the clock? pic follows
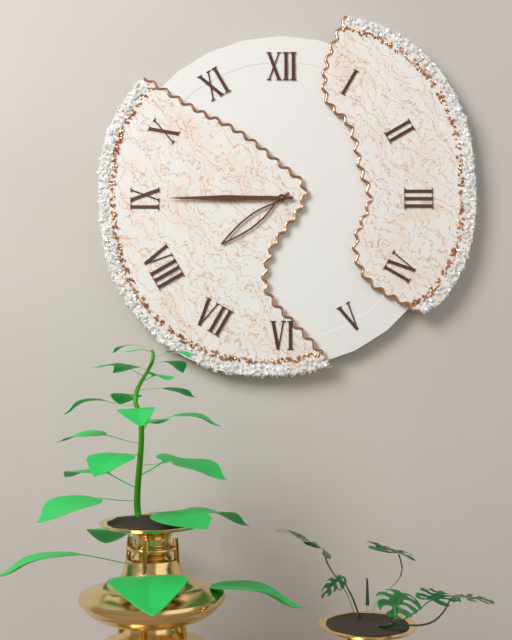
7:45
